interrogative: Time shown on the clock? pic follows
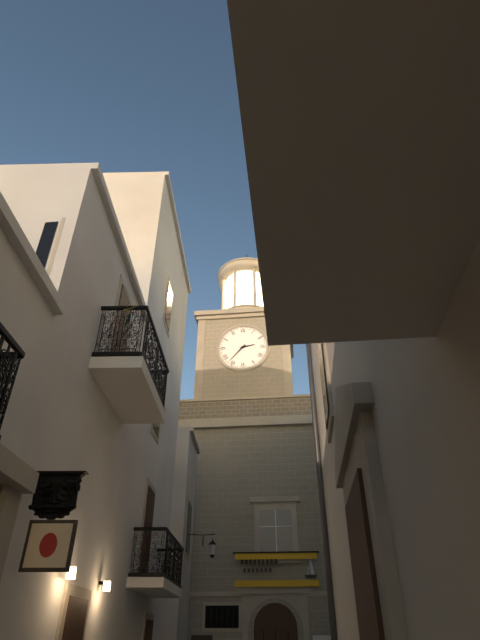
2:37
